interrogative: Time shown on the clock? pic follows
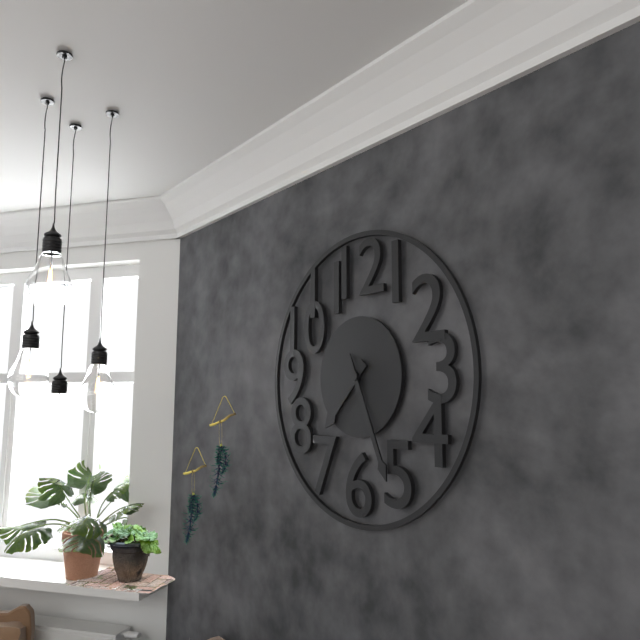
7:26
